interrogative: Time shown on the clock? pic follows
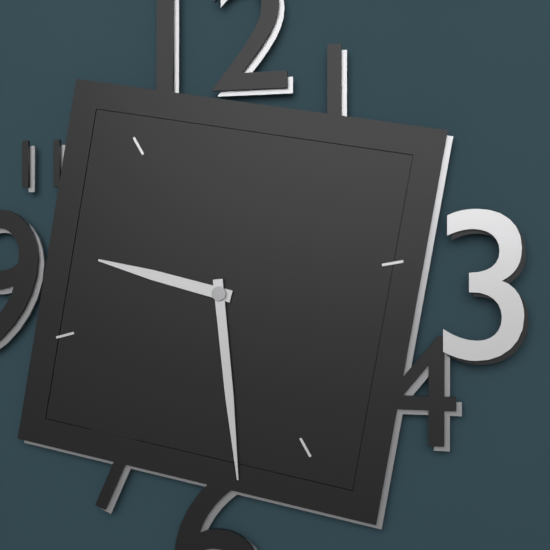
9:29
